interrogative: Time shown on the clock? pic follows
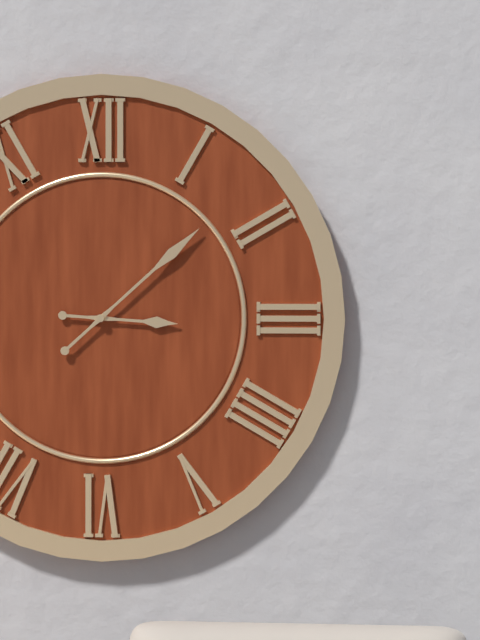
3:08
